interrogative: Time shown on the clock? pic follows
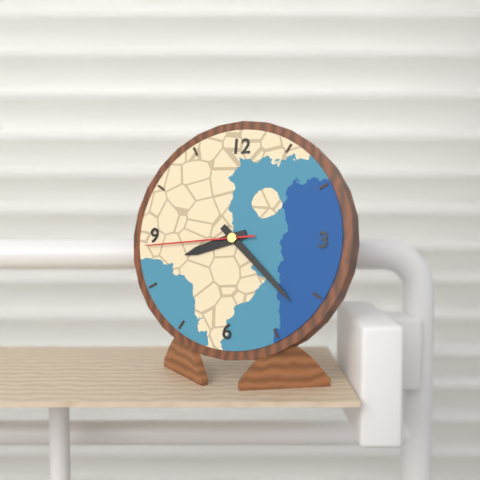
8:22:44
